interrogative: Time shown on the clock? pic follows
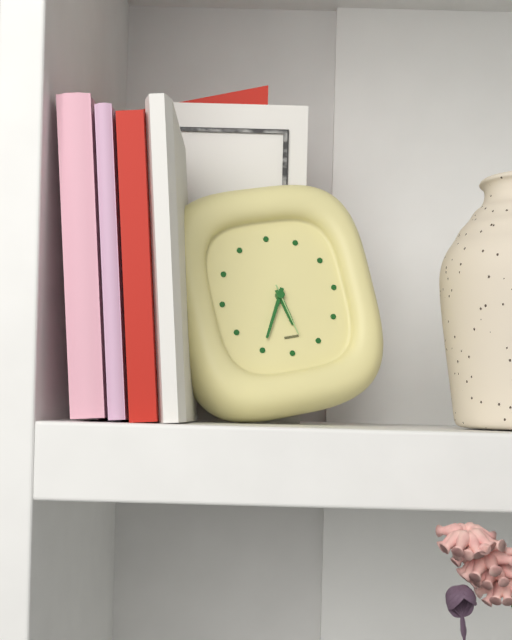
5:35:28
